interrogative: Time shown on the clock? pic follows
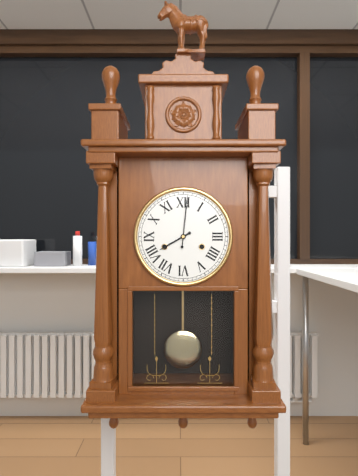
8:01
